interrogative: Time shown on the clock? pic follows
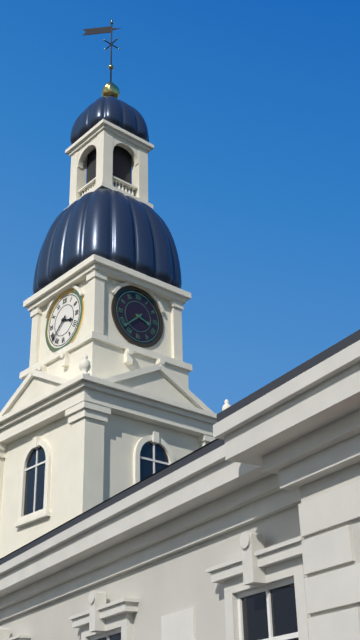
3:38
